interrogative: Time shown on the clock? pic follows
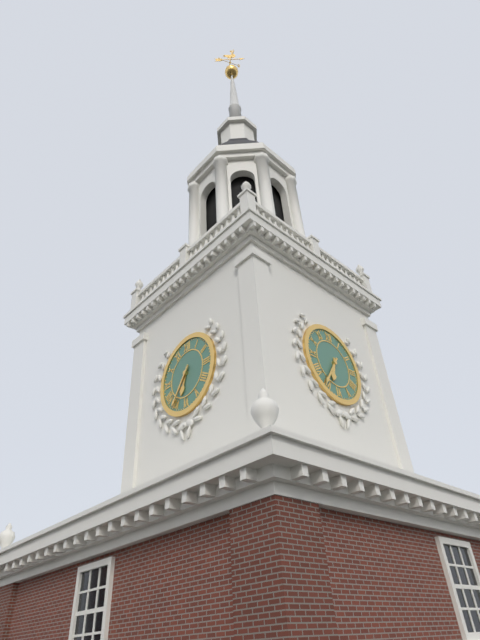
6:36
